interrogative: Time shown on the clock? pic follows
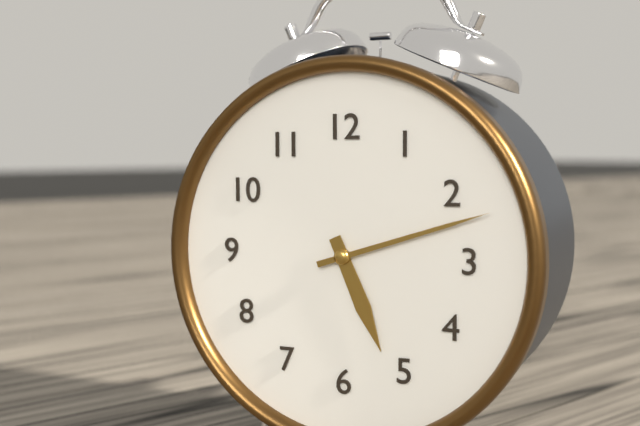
5:12
